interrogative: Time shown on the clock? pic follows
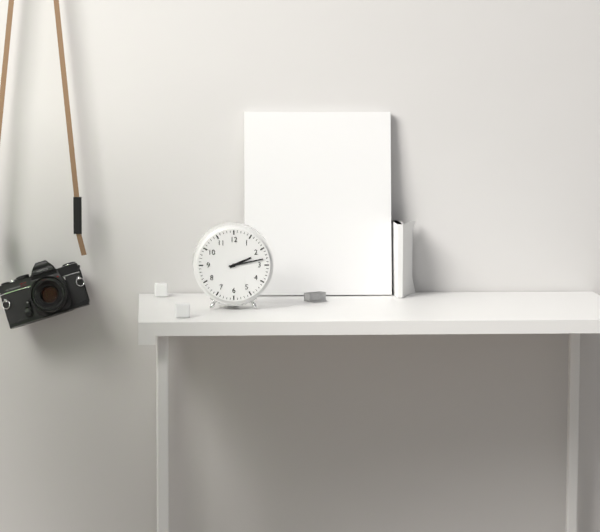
2:13
